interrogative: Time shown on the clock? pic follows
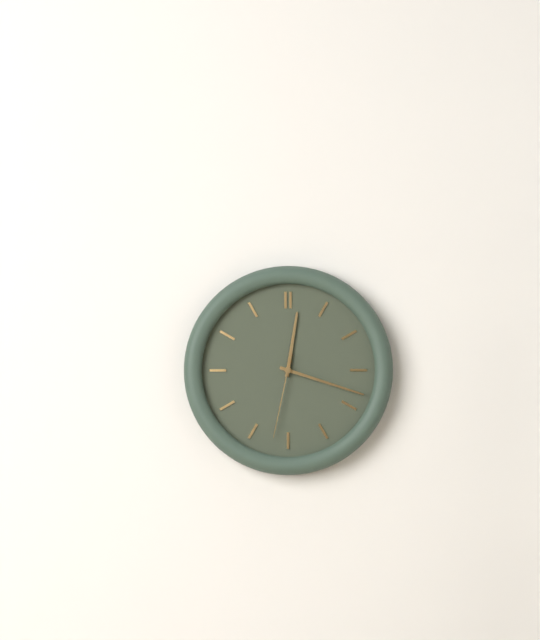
12:18:32
